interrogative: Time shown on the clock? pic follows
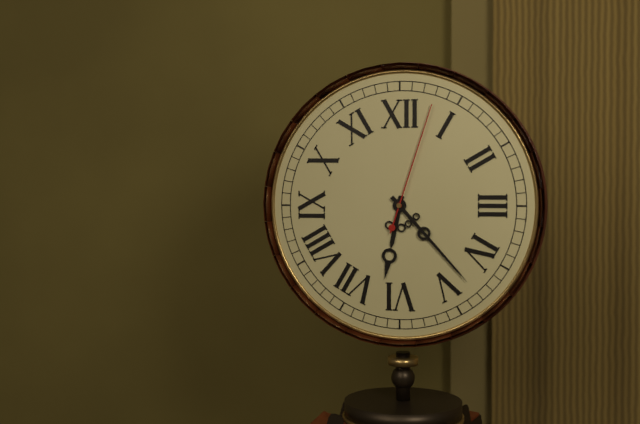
6:23:03
